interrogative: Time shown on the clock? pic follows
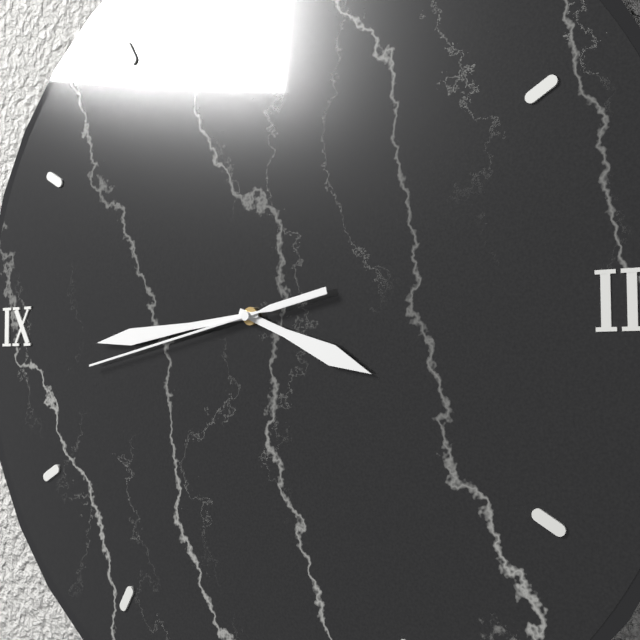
3:44:43
